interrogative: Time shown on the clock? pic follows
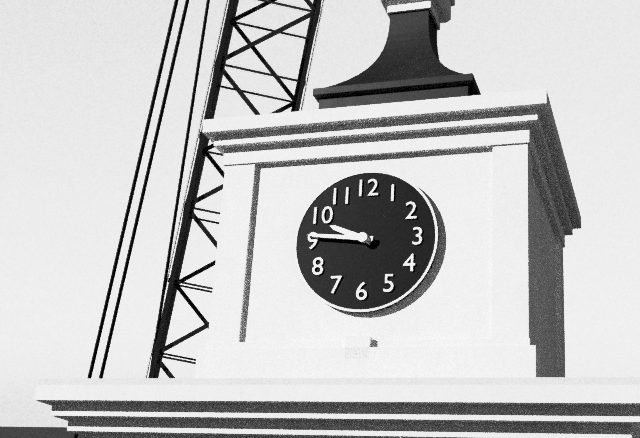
9:46
